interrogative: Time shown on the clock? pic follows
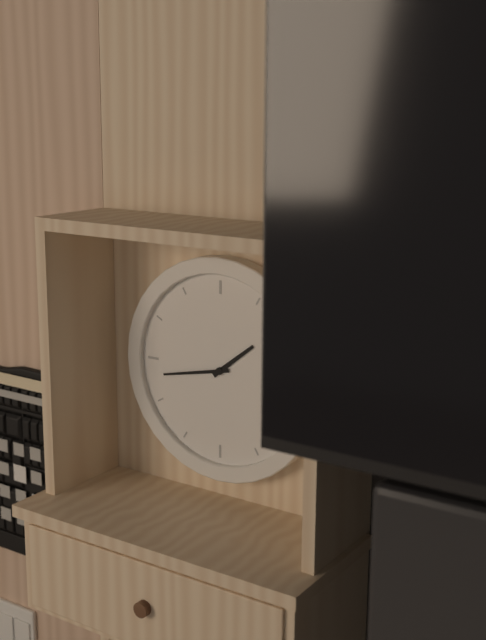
1:43
